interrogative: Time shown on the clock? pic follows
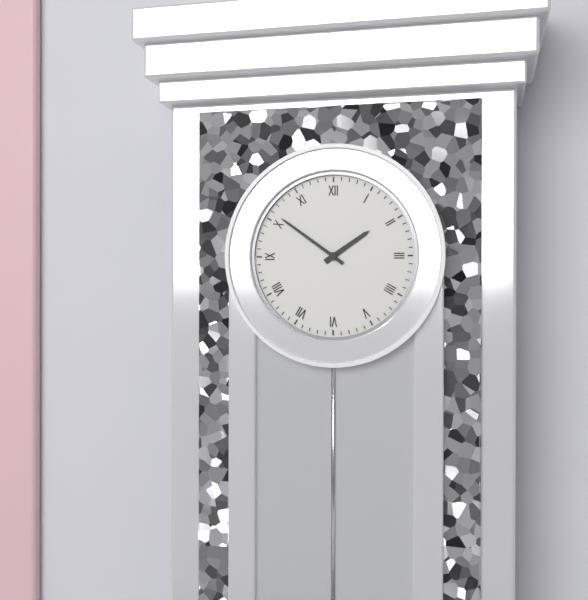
1:51
